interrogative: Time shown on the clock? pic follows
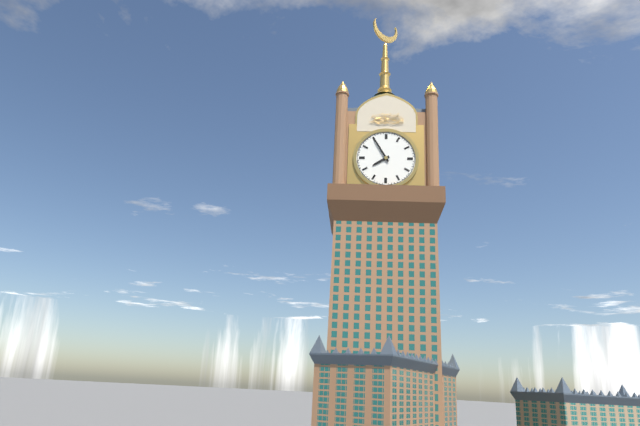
7:55
